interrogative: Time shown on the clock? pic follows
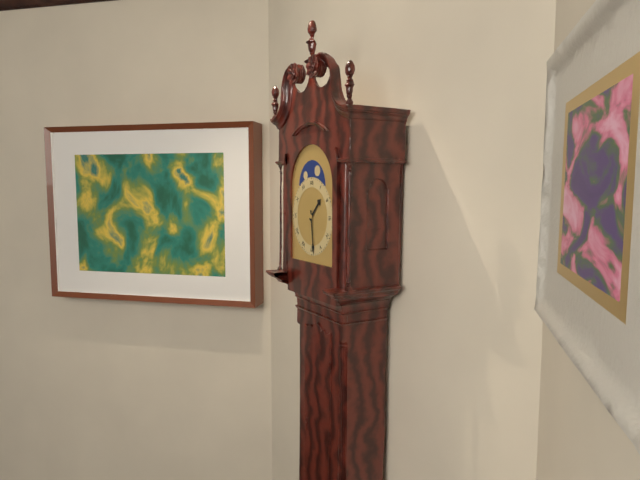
1:29
